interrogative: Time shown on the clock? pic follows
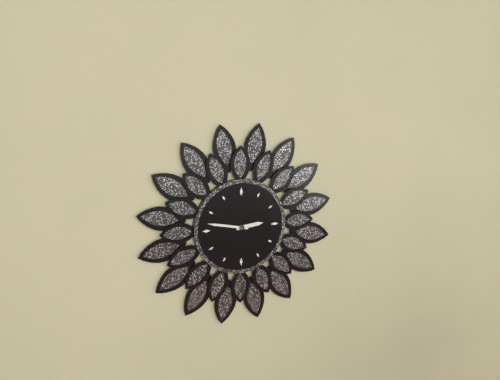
2:47
